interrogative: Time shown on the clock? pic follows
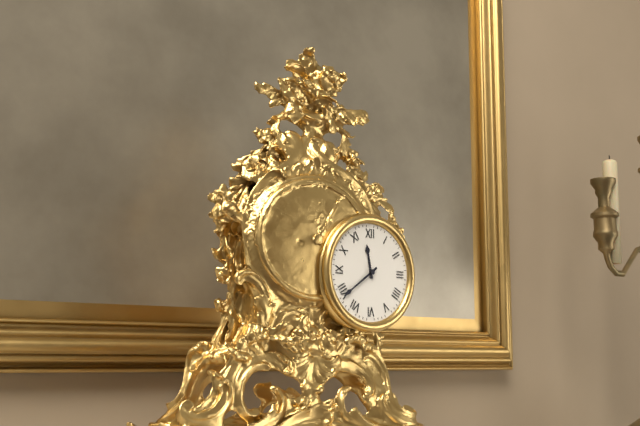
11:39
